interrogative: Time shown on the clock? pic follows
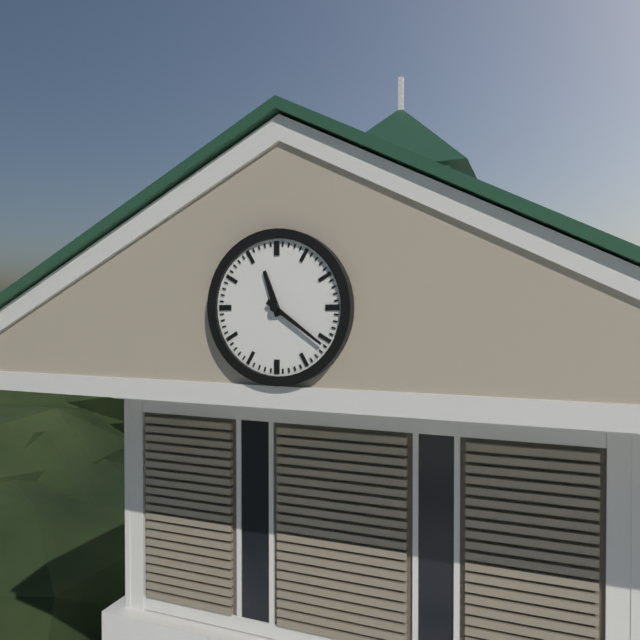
11:21
